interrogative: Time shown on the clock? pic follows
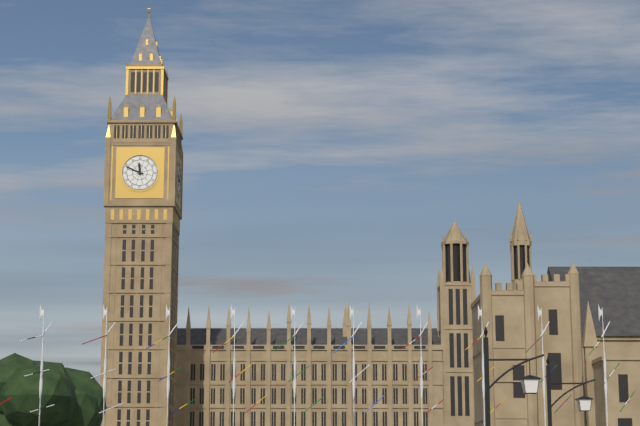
11:49
